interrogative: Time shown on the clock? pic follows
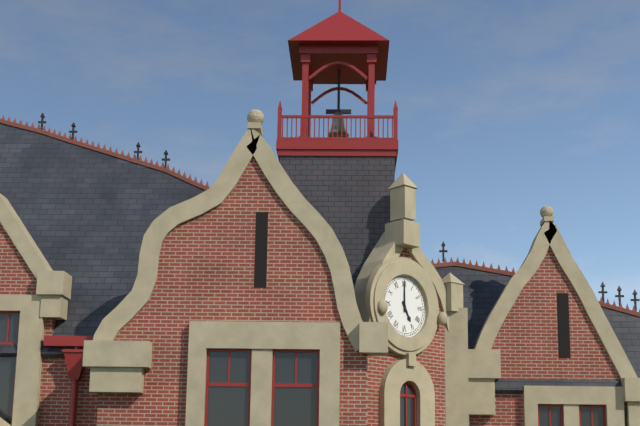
5:00
